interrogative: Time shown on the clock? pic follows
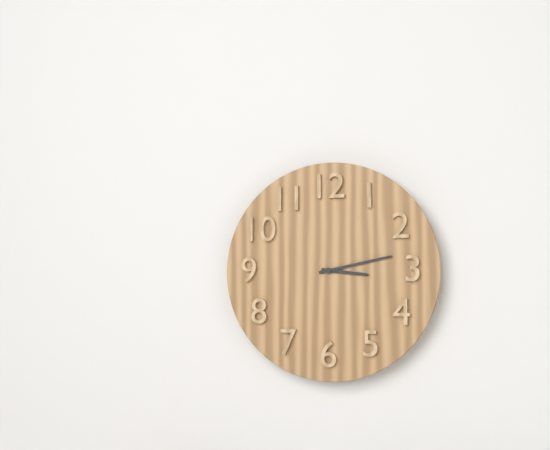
3:13
